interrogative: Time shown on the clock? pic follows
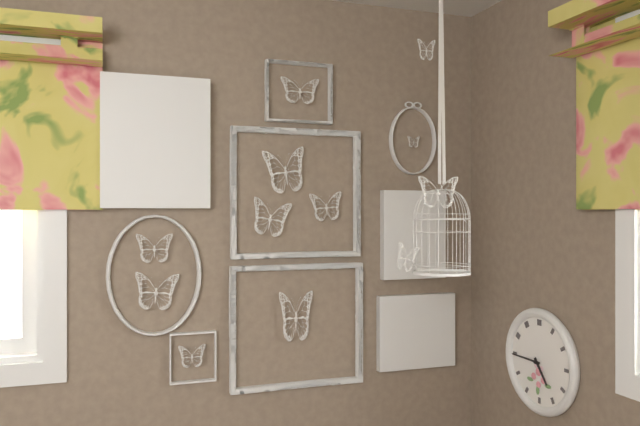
4:45
